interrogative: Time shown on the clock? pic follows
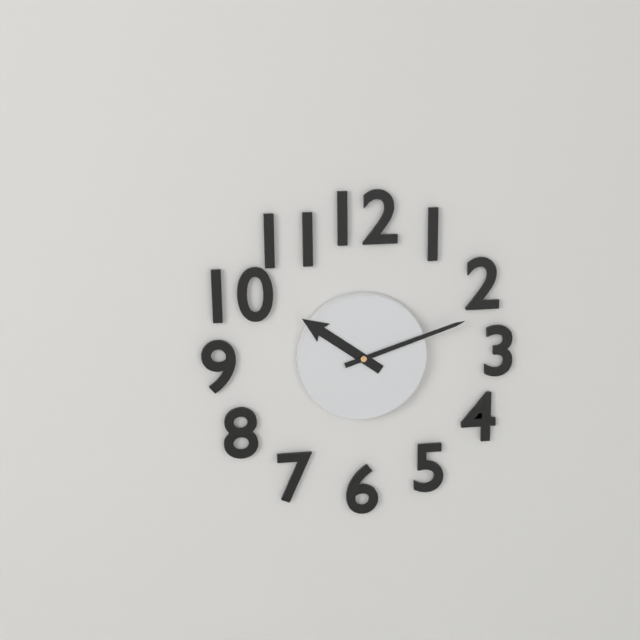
10:12
